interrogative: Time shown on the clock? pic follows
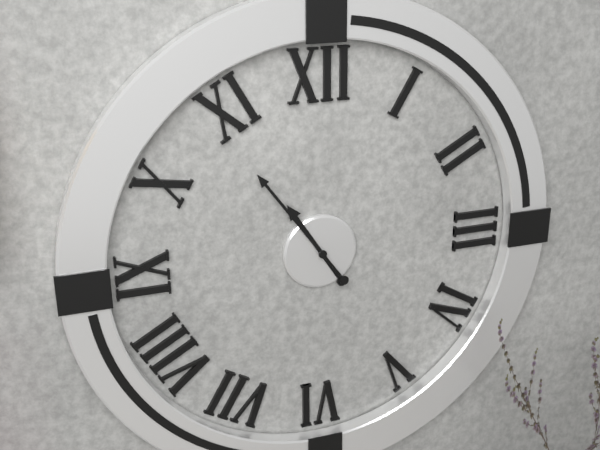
10:54
